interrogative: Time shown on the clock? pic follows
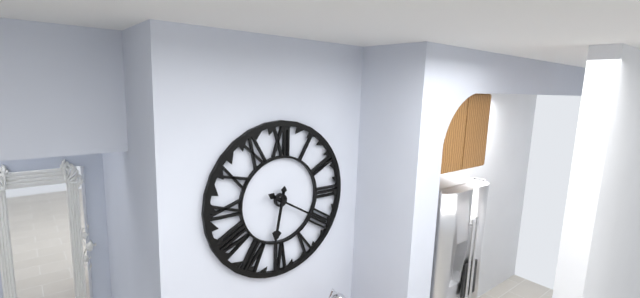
6:20
